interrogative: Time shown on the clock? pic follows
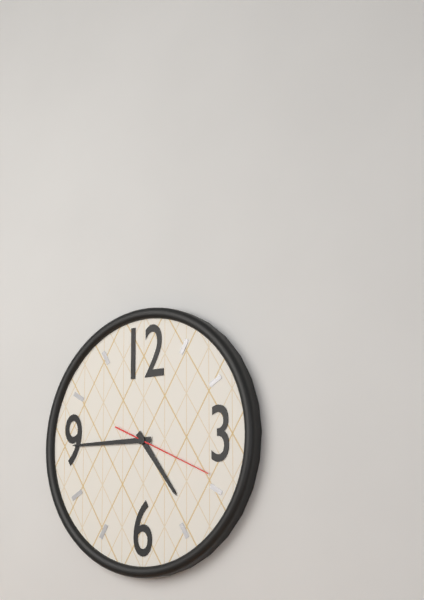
4:45:19
